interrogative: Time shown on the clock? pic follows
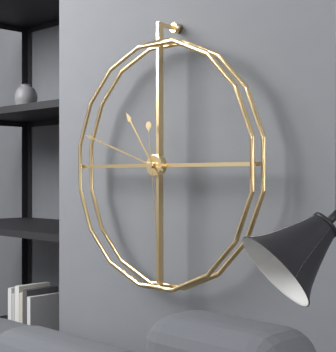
10:48:29
